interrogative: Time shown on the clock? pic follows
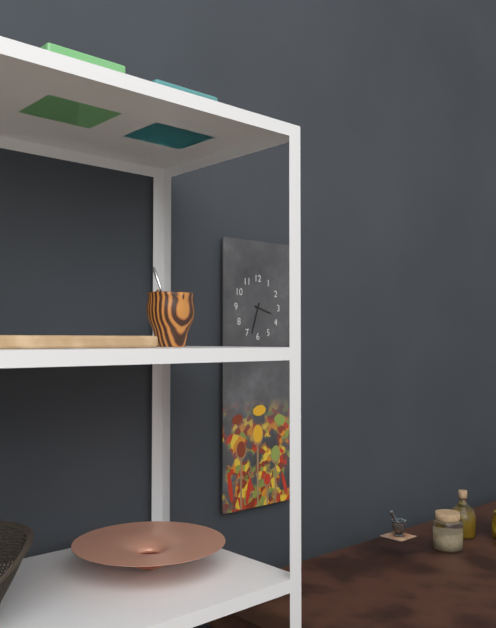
3:33
